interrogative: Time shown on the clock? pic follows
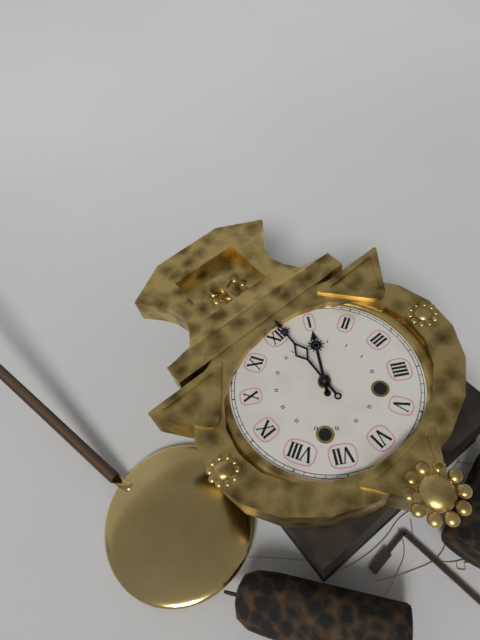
1:01
